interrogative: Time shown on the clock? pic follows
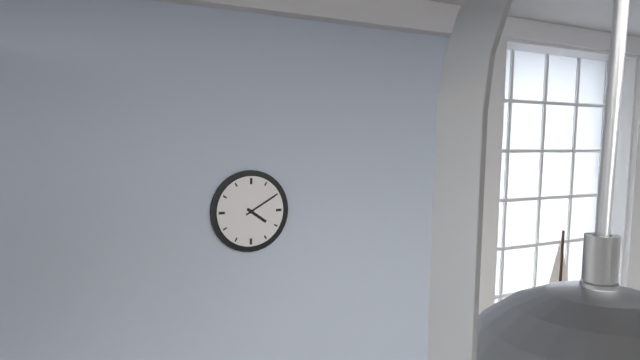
4:10
